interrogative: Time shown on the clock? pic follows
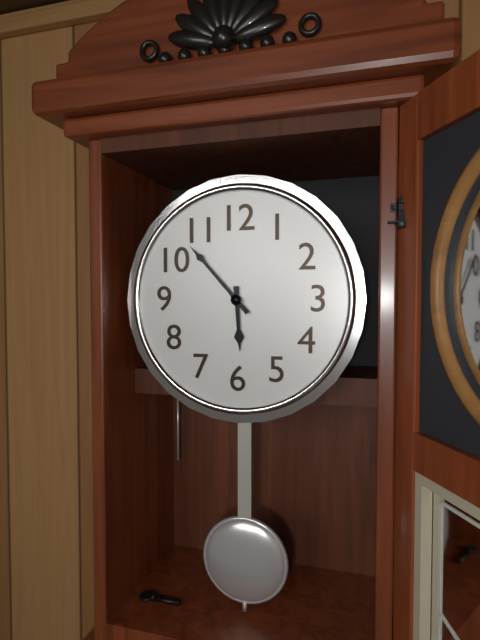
5:53
